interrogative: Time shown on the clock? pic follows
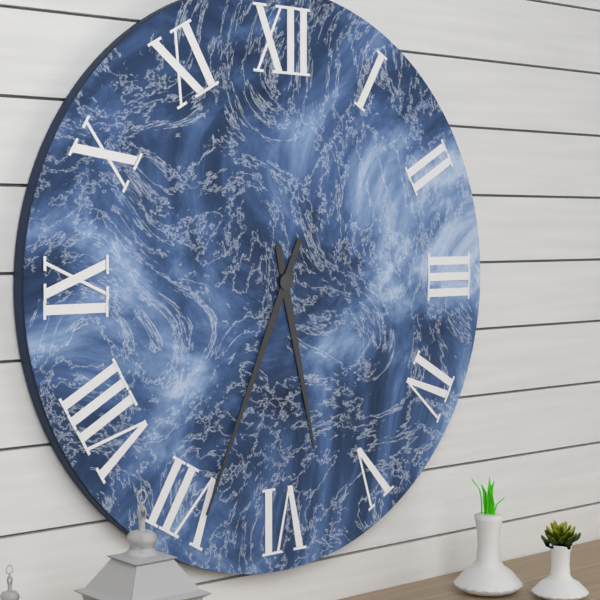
5:34
